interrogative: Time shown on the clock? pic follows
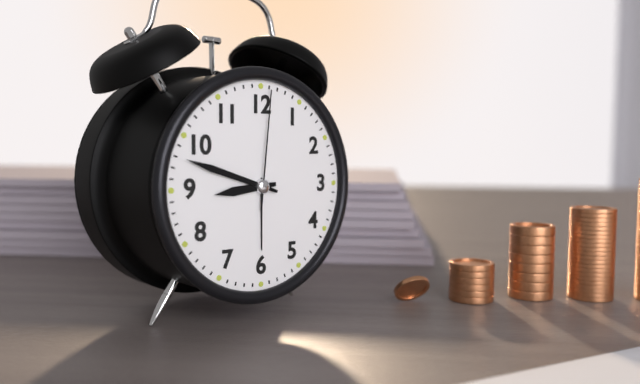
8:48:01
